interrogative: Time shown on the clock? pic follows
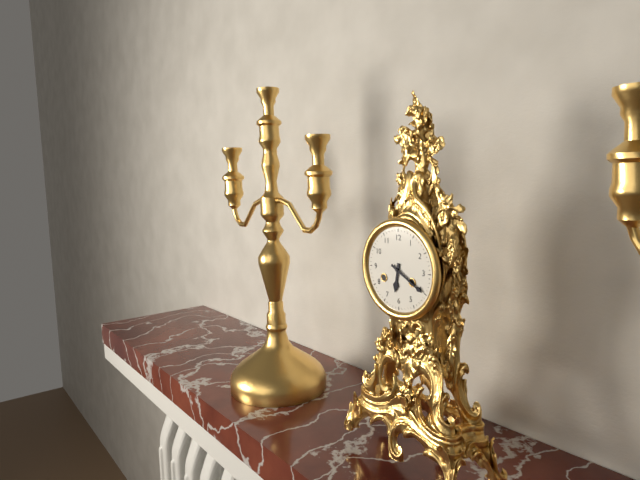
6:20
